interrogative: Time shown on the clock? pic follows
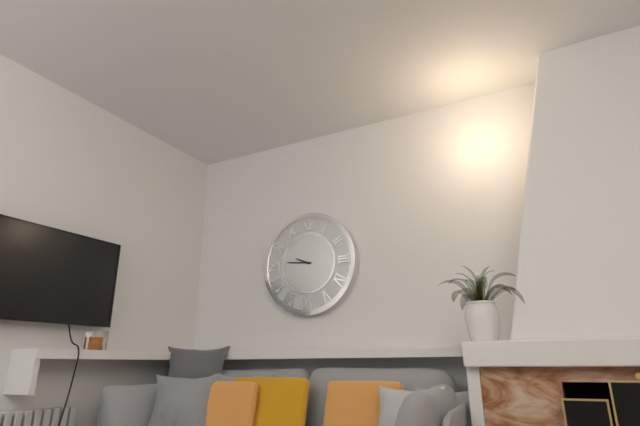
9:46
